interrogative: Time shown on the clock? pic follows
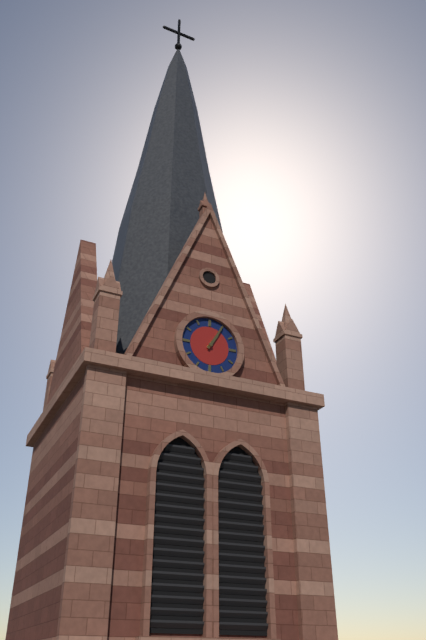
1:05
